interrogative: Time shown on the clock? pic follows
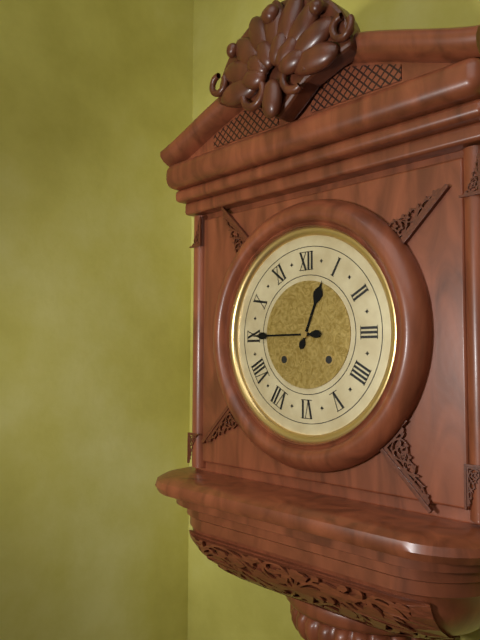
12:45
